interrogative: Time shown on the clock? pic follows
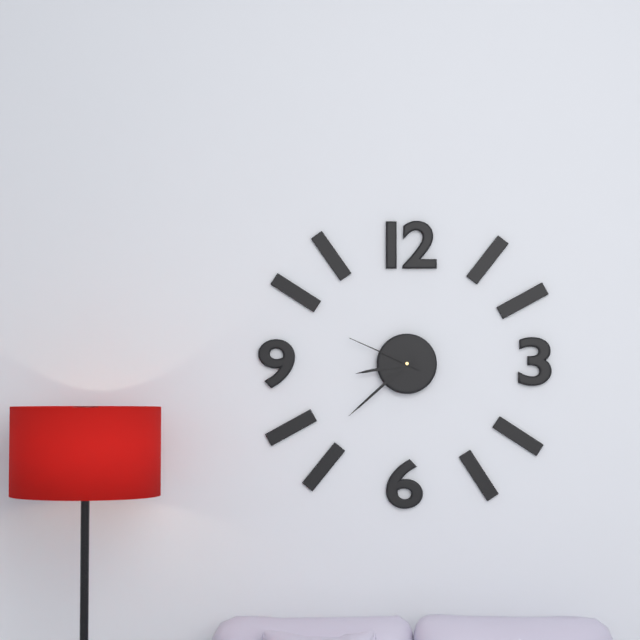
8:38:49
